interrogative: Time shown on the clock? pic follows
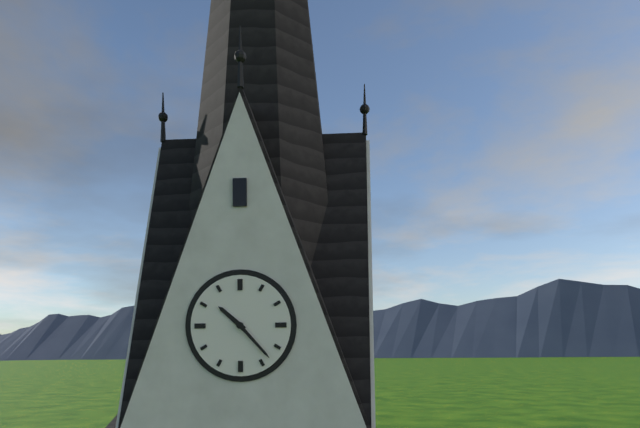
10:23
